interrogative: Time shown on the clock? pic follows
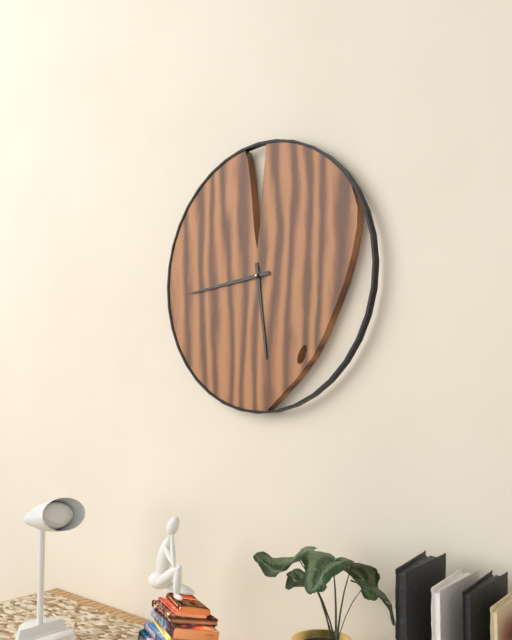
5:44
